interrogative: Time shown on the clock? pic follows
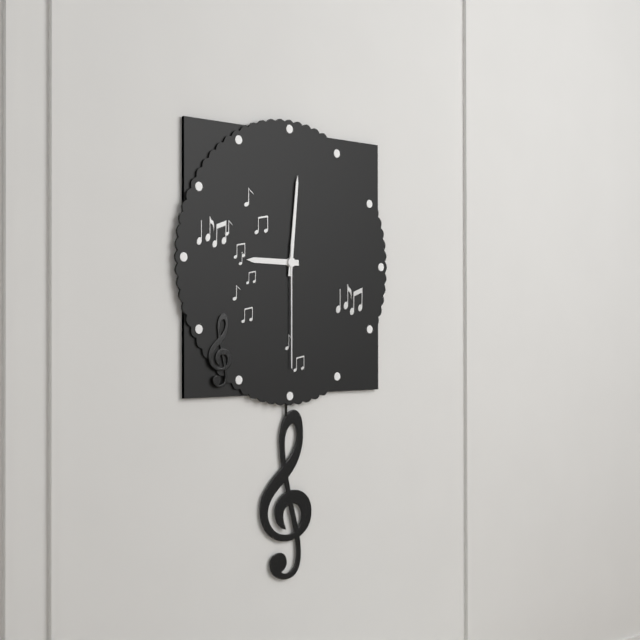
9:01:30
